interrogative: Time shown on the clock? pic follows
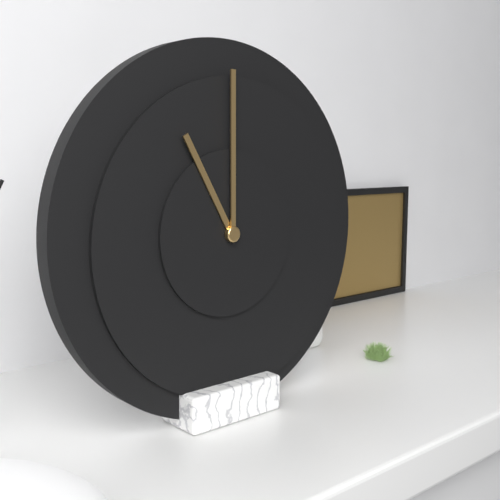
11:00
